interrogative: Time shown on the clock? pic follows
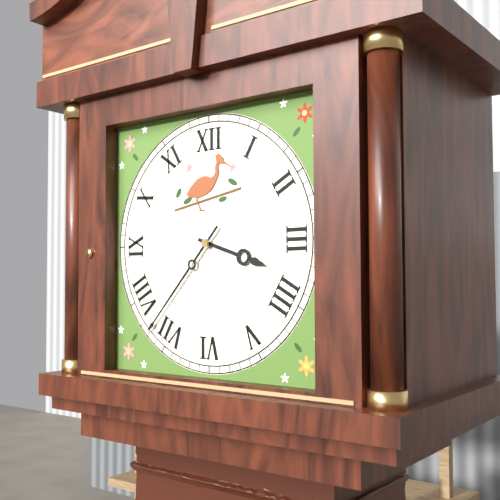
3:37
